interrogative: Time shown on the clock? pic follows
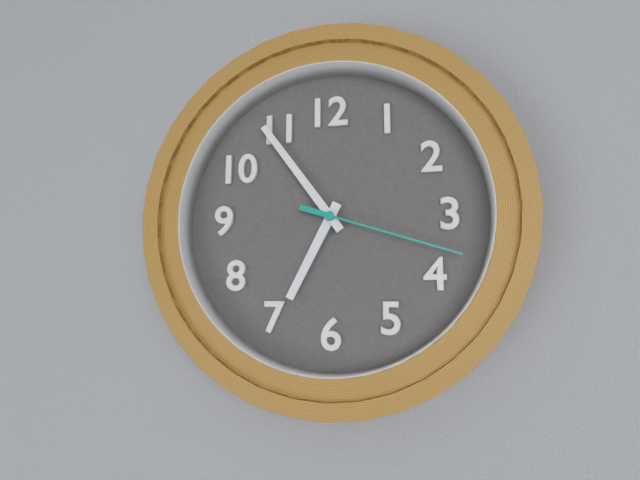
6:54:18
